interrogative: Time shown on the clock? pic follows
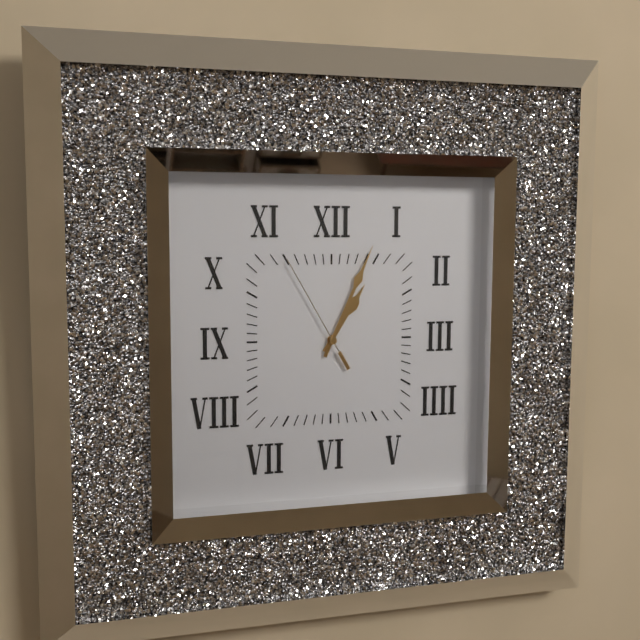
1:04:55
